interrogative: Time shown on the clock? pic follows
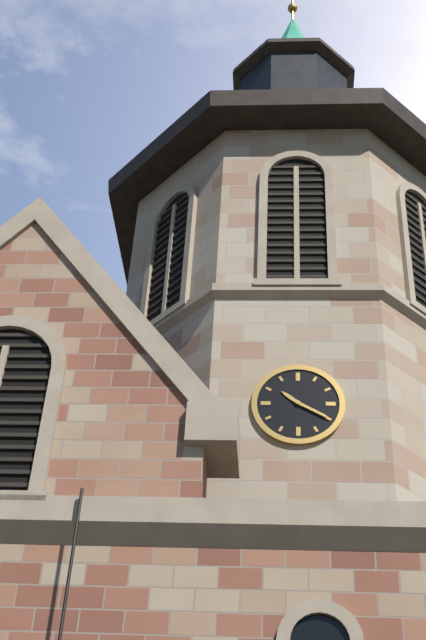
10:20
